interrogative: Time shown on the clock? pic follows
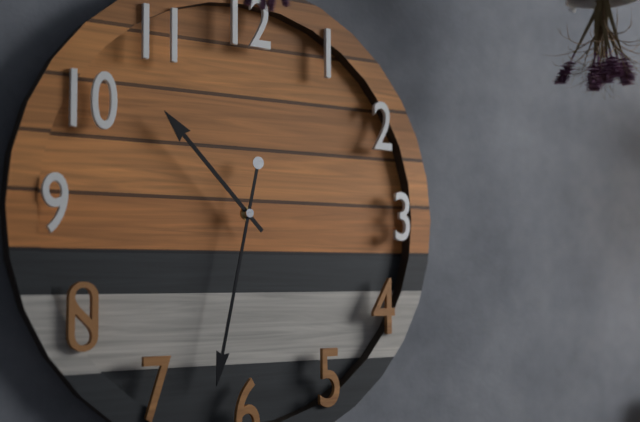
10:32
